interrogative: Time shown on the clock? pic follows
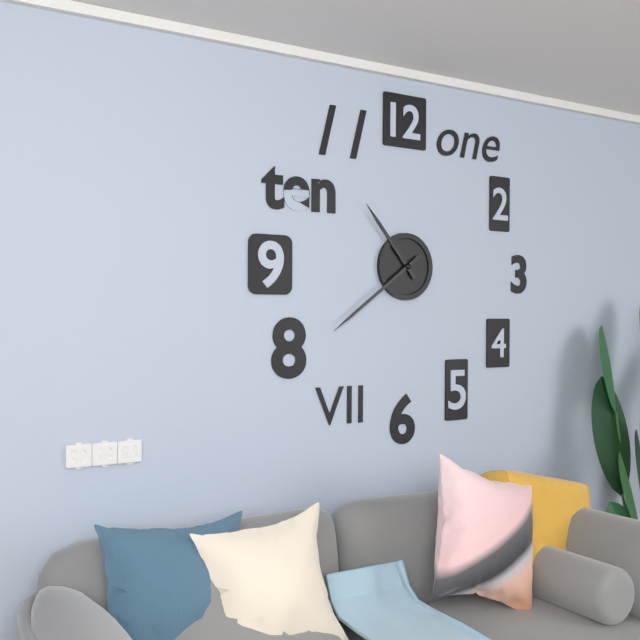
10:39
